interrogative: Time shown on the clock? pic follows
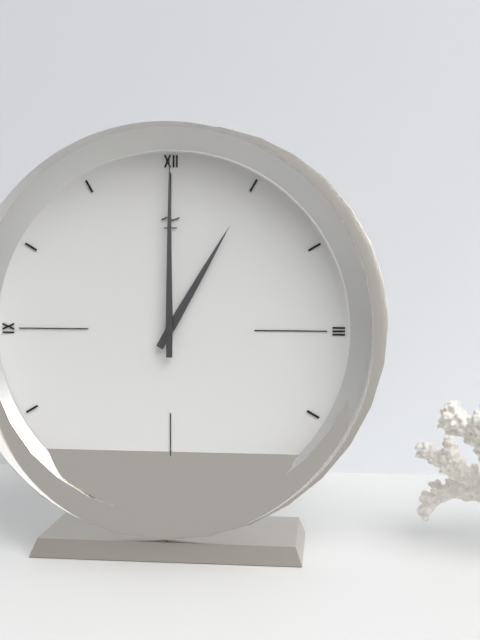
1:00
